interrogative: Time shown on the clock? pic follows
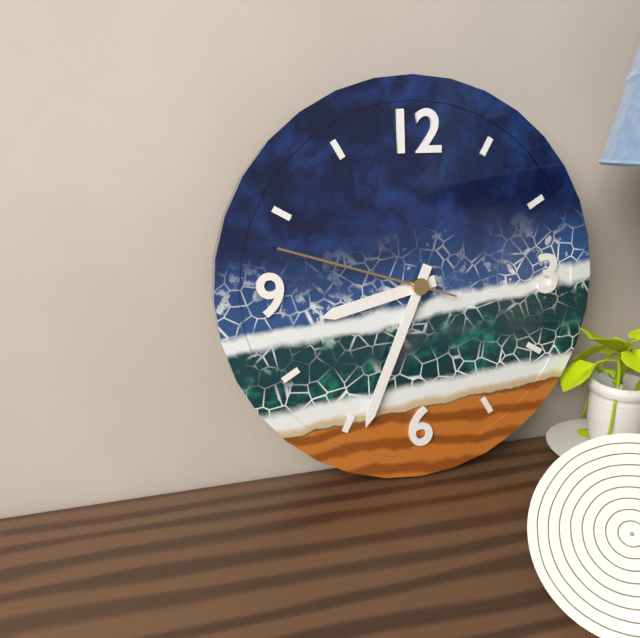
8:34:48
